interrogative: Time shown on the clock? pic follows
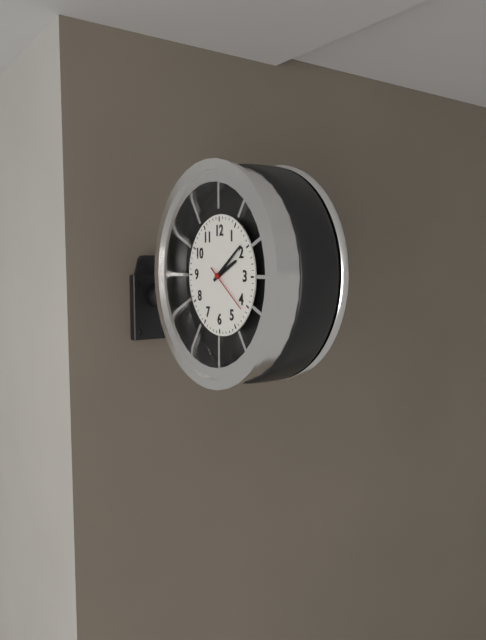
2:09
